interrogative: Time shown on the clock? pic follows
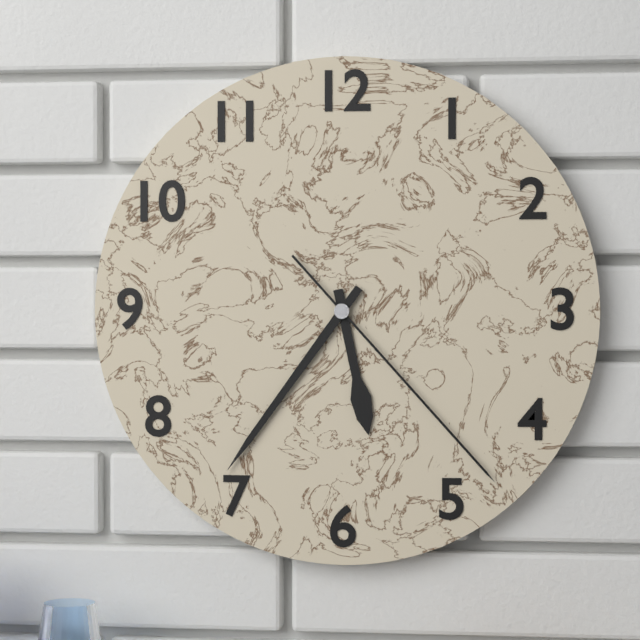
5:36:23
